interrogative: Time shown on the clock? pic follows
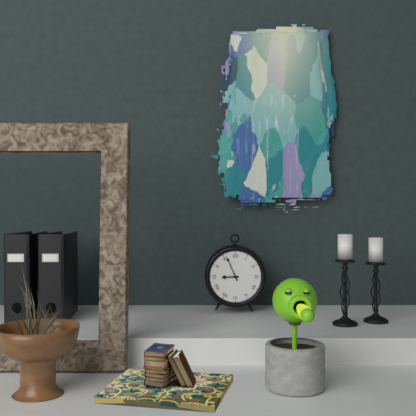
8:56
